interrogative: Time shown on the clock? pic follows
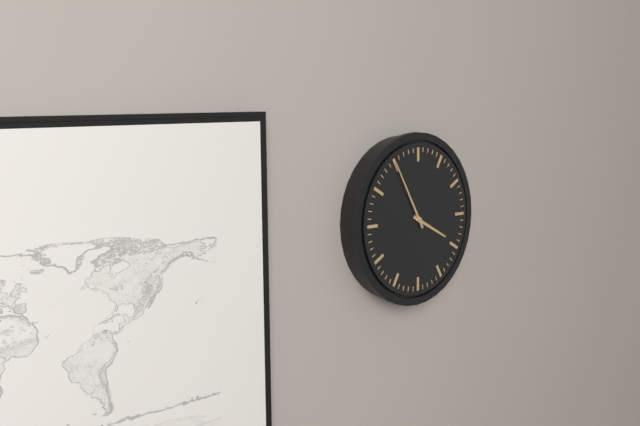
3:55
